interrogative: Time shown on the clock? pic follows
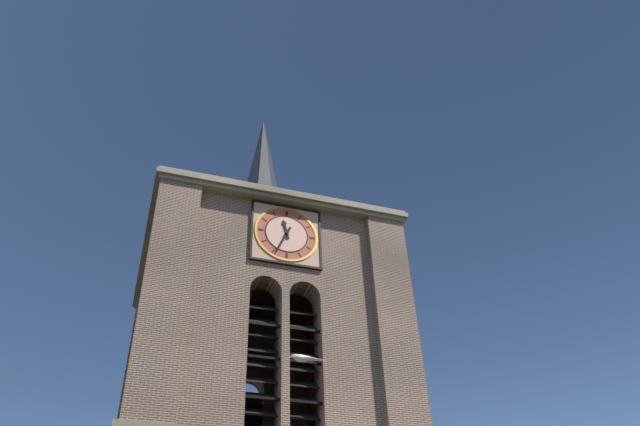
11:34
